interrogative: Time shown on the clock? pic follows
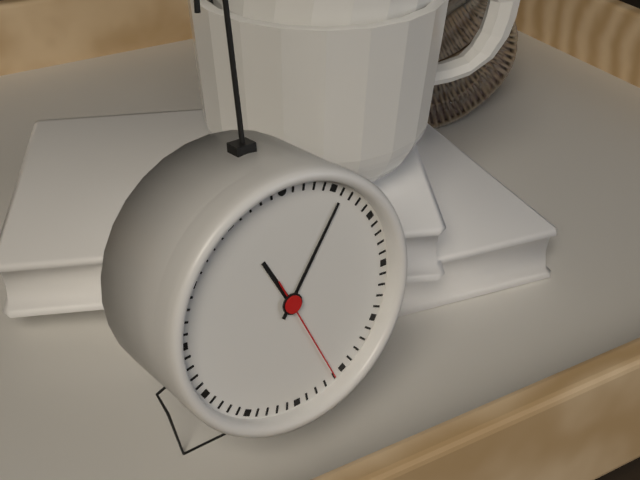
11:06:26
